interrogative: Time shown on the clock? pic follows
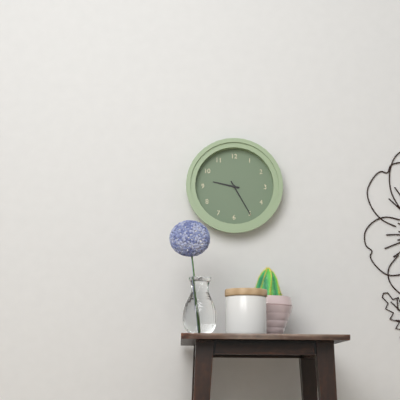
9:25
